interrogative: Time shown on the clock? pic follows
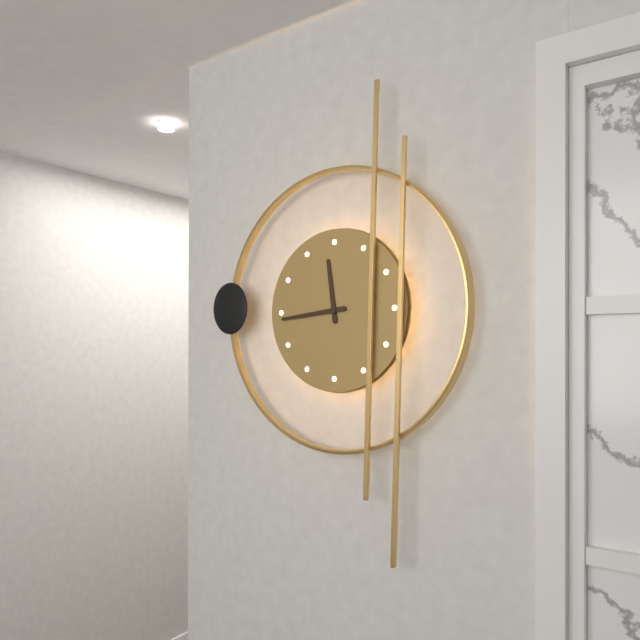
11:44
